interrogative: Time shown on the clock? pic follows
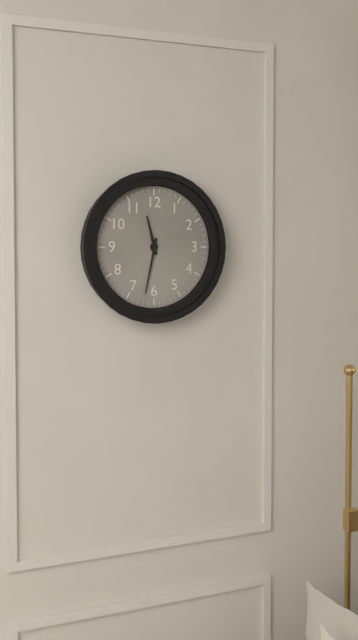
11:32
